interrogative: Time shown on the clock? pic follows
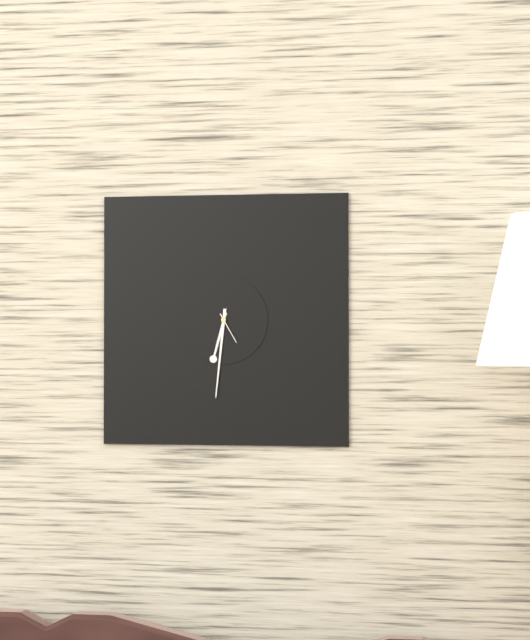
6:31
